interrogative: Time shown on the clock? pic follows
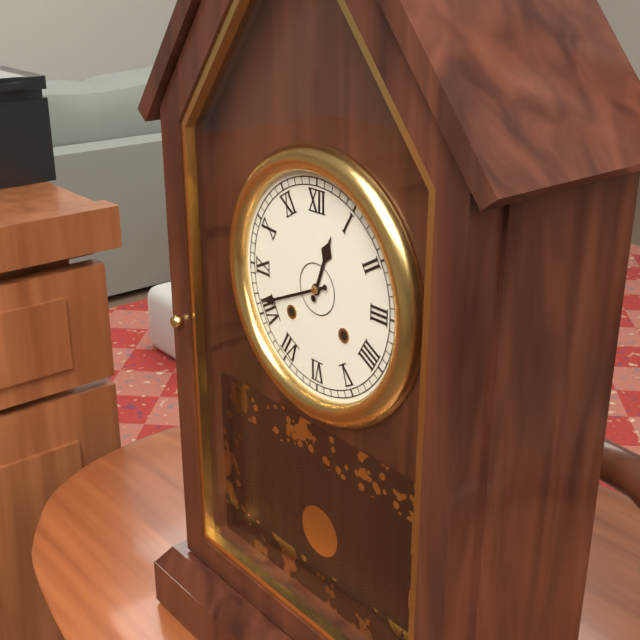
12:41
